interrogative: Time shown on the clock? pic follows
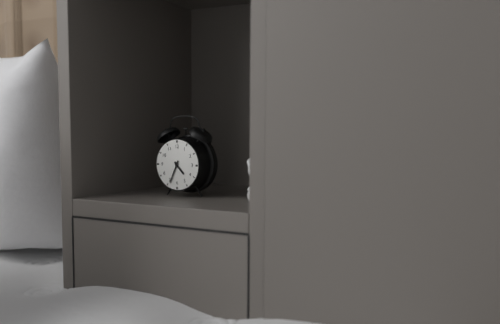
4:34
